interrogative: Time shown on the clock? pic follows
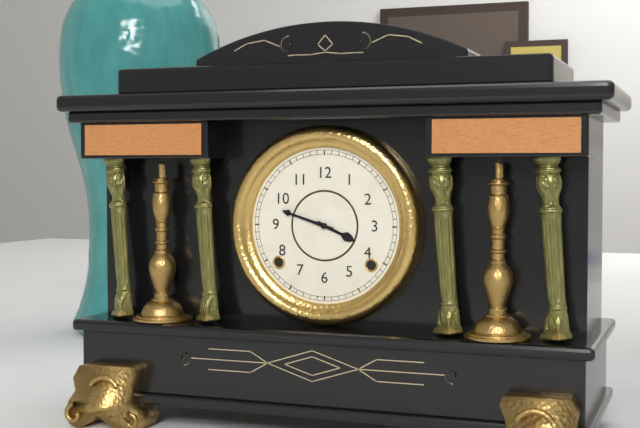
3:48
